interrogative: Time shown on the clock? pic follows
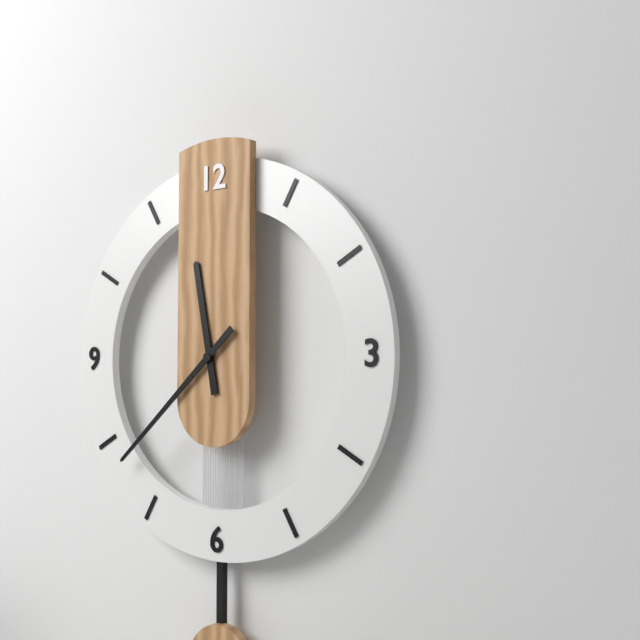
11:38
